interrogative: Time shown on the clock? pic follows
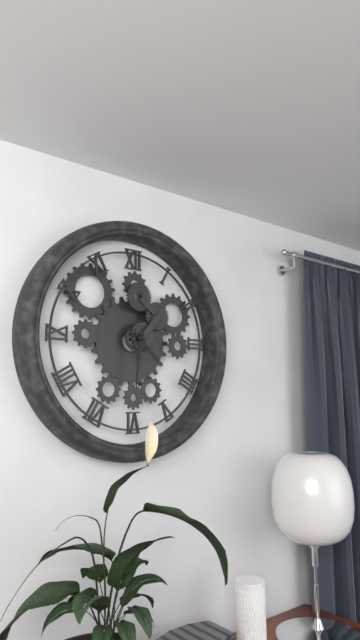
4:31
